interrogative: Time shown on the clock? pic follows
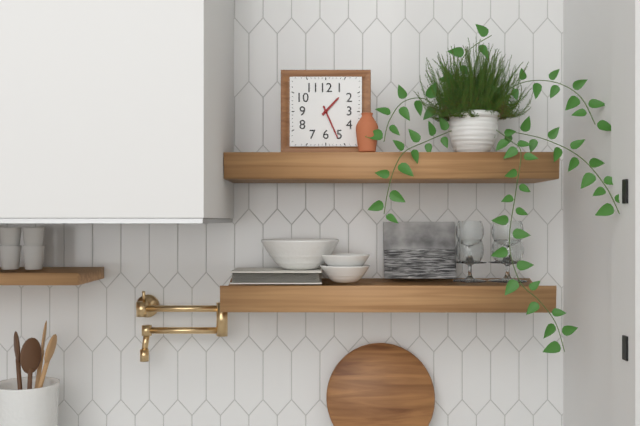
1:26
